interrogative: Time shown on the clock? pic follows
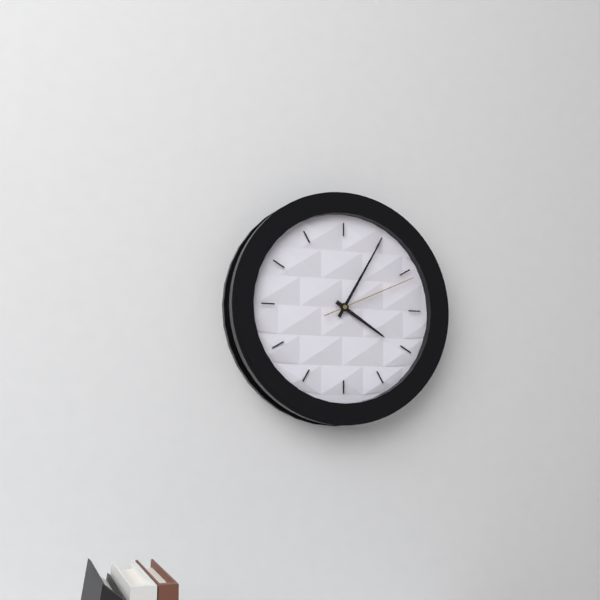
4:05:11
